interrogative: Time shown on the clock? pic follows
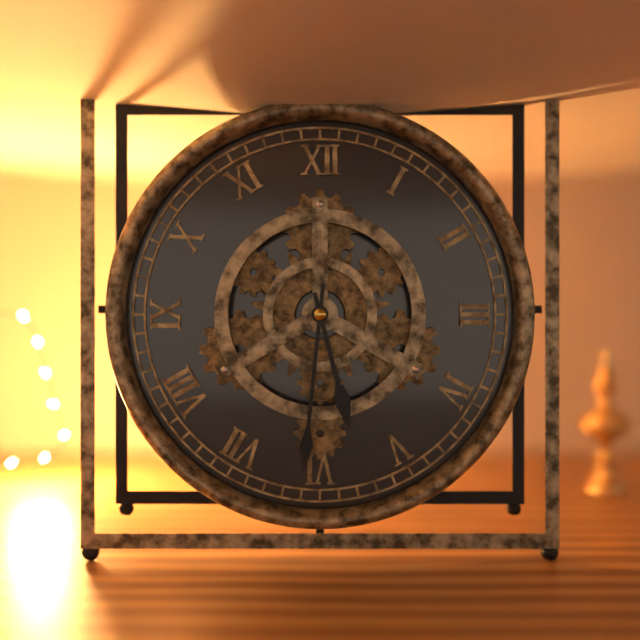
5:31
